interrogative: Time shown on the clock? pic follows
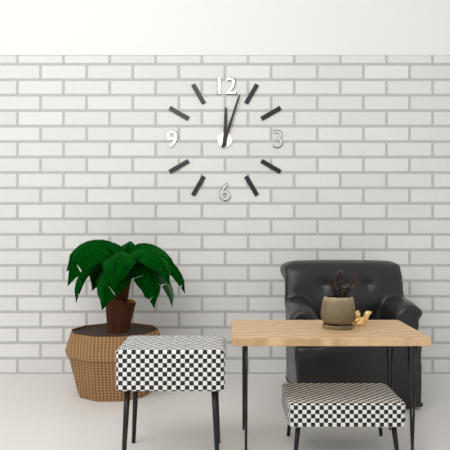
12:03
